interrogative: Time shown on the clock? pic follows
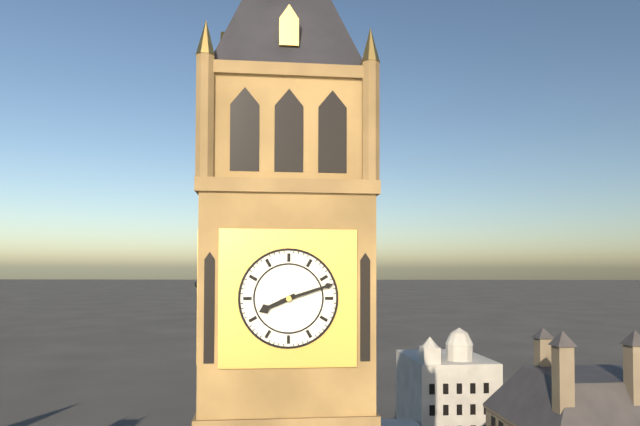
8:12
